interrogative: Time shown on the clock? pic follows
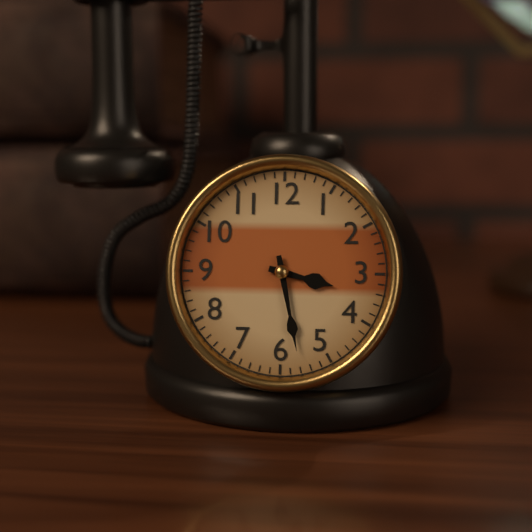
3:28
